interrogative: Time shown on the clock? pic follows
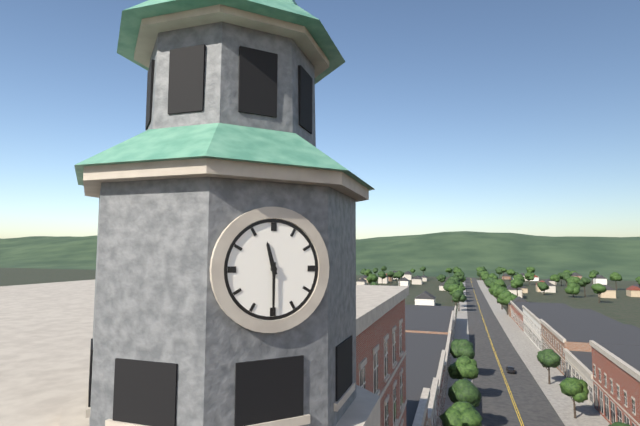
11:30
